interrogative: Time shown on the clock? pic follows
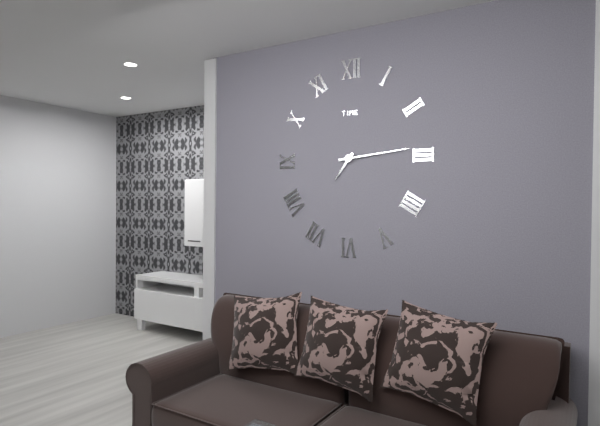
7:14
